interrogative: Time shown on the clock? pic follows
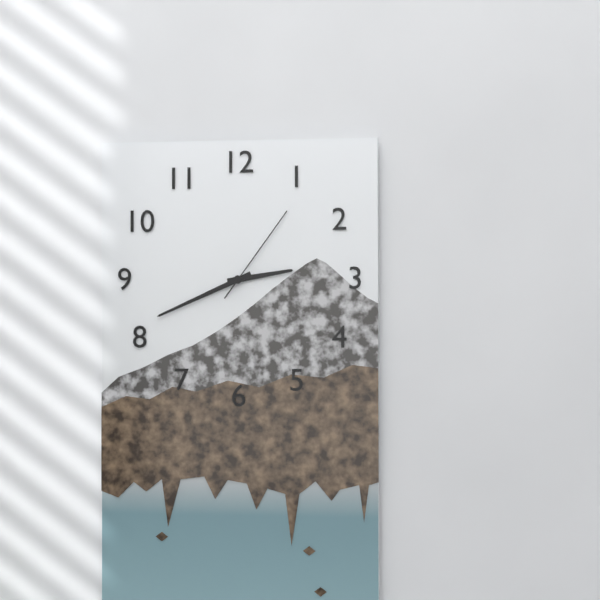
2:41:06
